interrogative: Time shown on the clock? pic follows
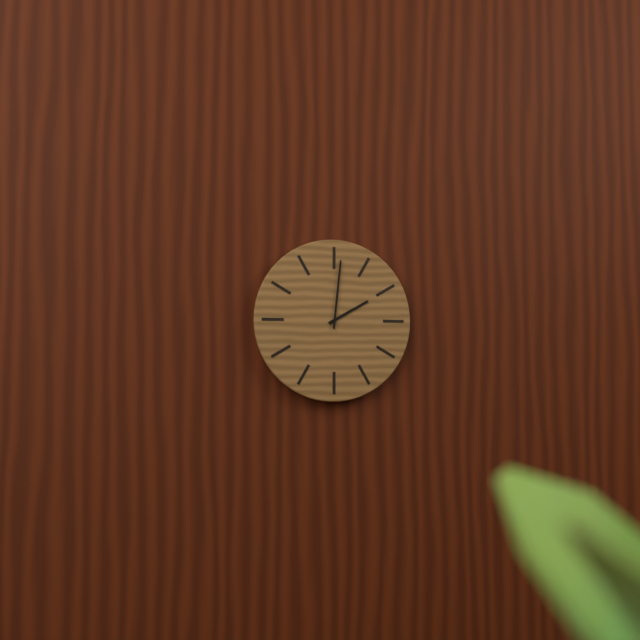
2:01
